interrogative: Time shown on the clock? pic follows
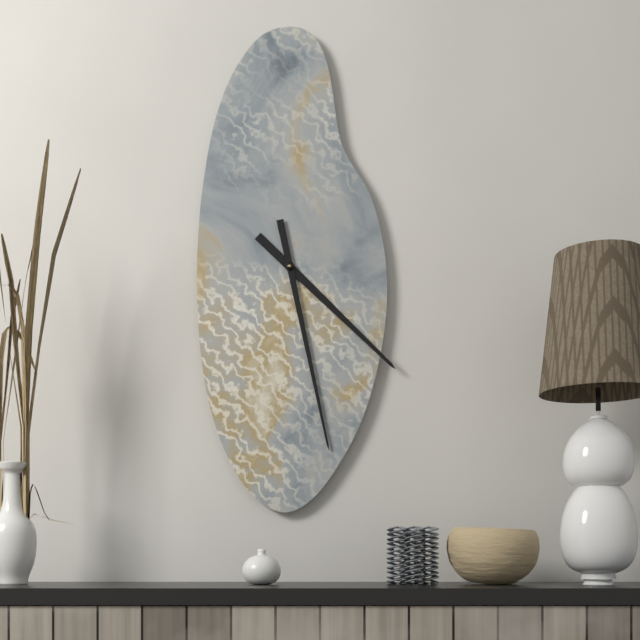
4:28
